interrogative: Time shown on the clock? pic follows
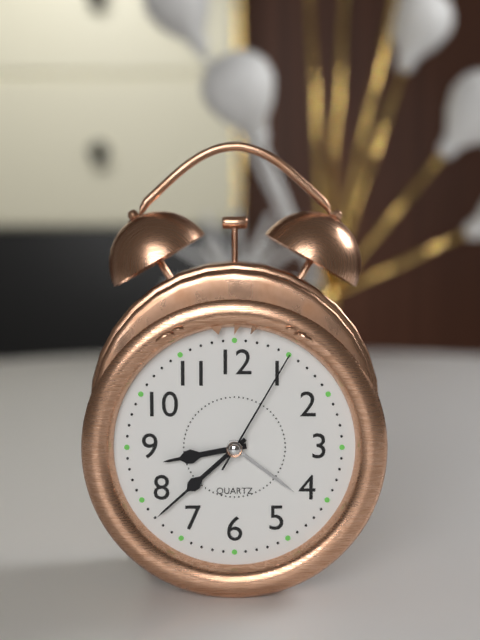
8:38:05
